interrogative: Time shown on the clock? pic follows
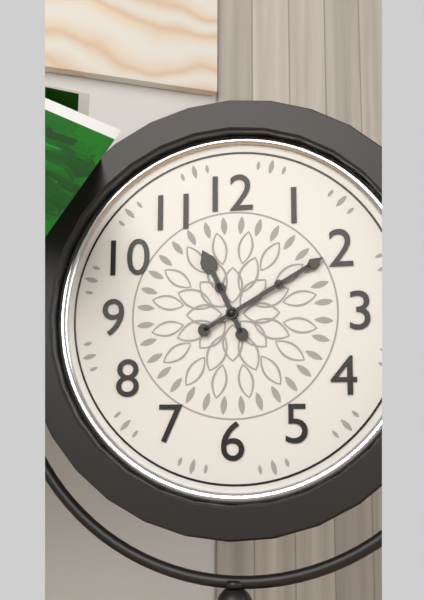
11:10
